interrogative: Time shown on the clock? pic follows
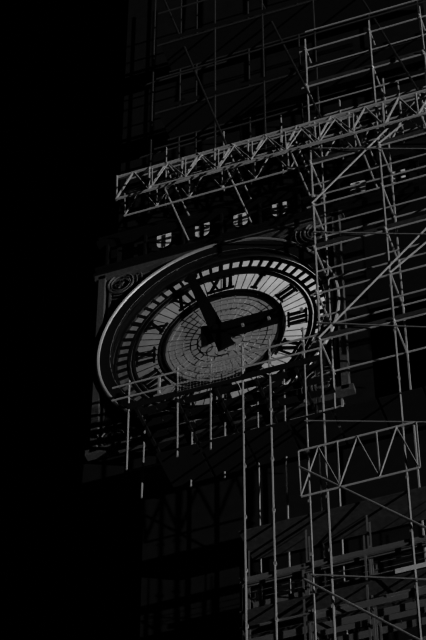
2:57
